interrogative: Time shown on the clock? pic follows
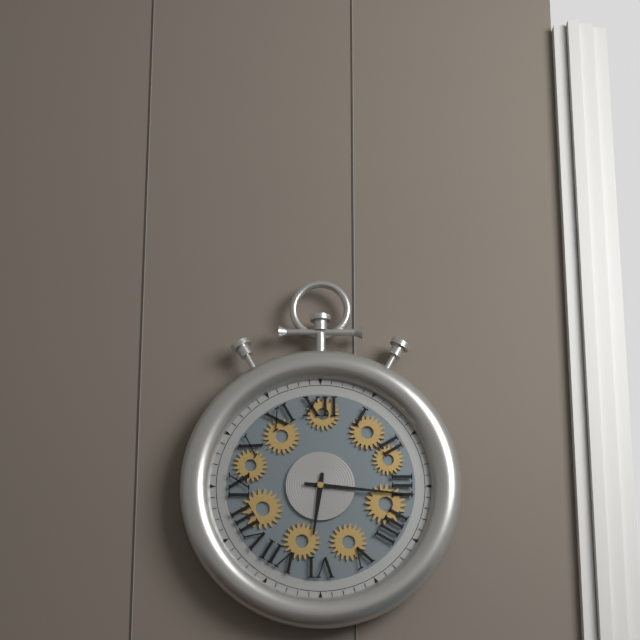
6:16
